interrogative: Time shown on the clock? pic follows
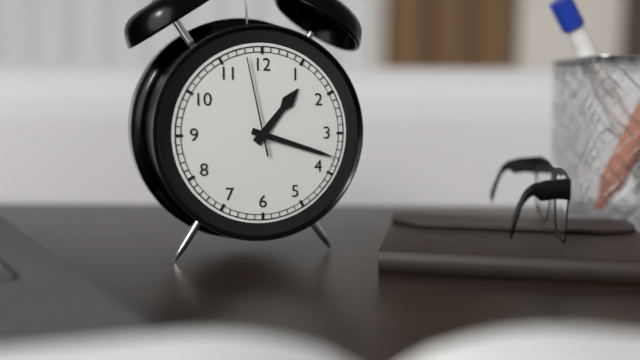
1:18:58
